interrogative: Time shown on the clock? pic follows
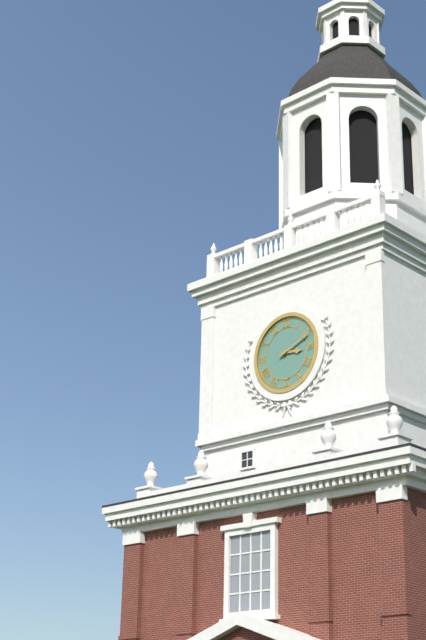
3:11
